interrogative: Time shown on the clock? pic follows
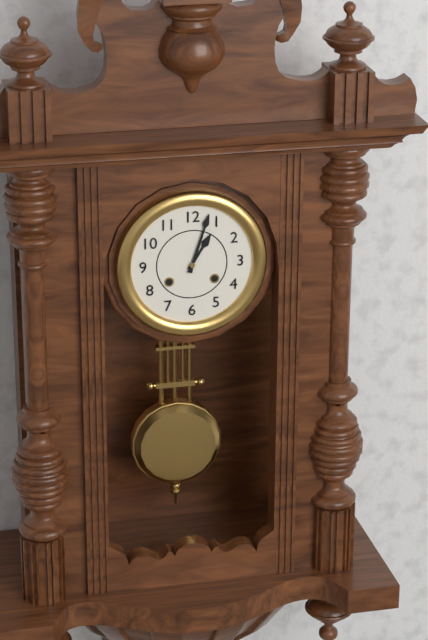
1:03
